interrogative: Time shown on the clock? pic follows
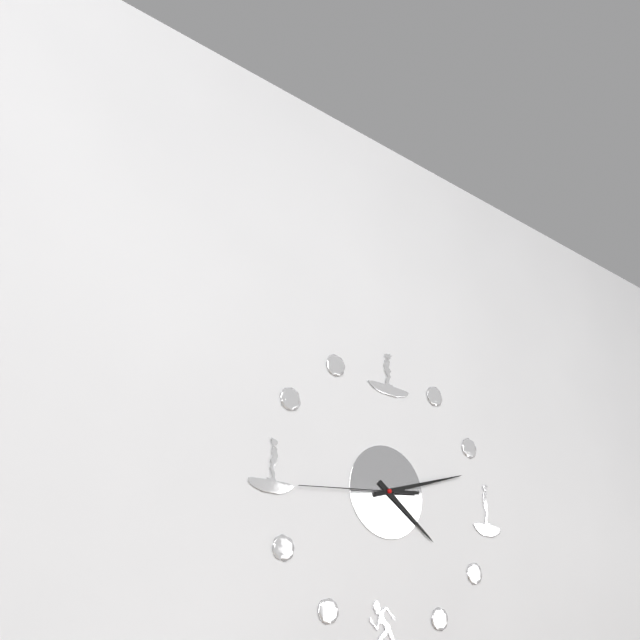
4:12:44
